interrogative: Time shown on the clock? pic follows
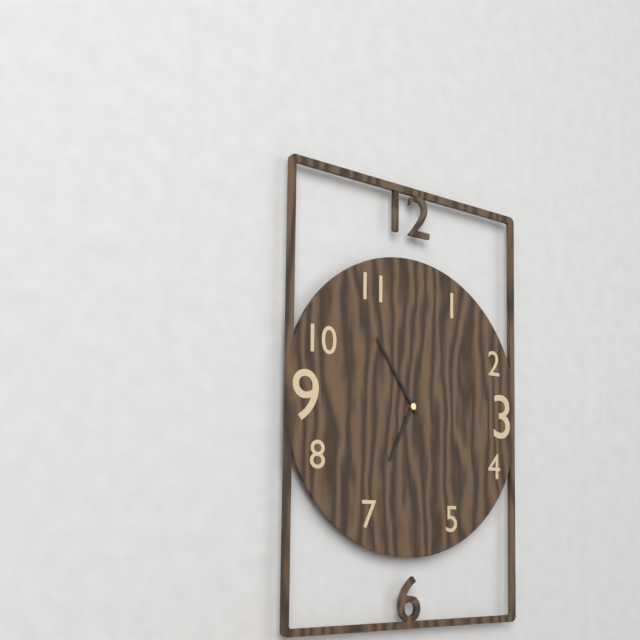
6:54
